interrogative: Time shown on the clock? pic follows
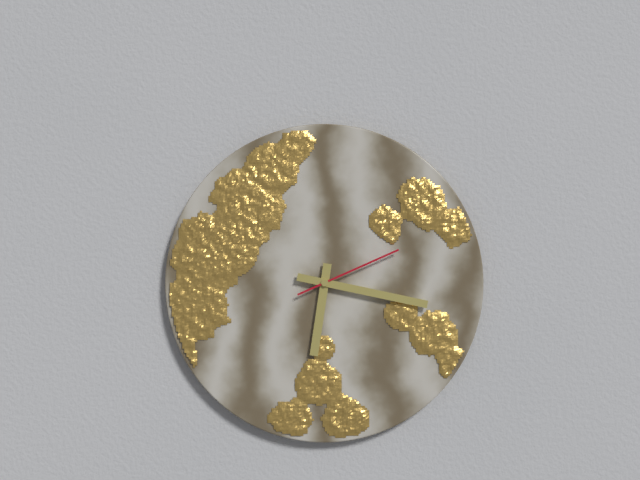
6:17:11
